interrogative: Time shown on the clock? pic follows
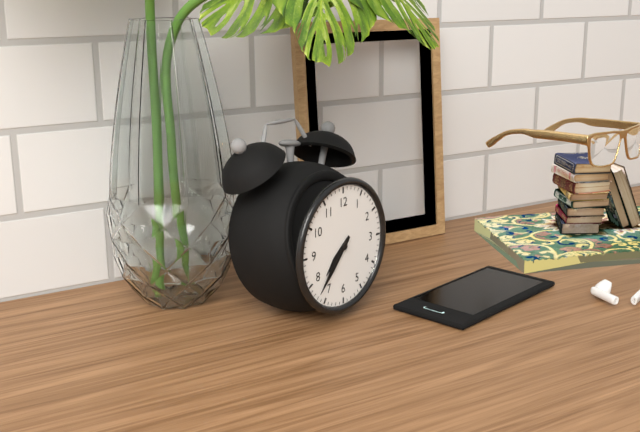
7:37
